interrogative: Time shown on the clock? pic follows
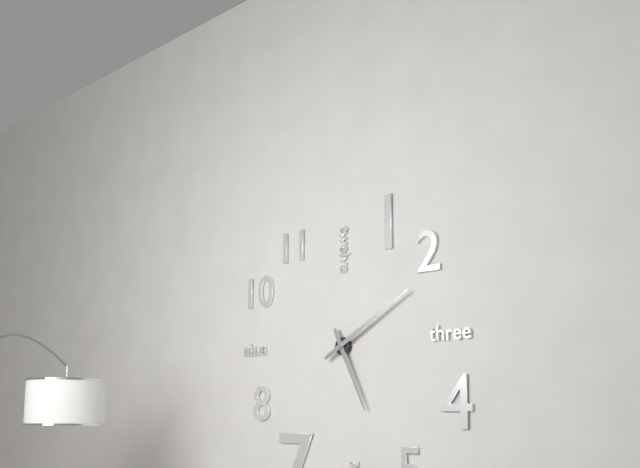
5:10
